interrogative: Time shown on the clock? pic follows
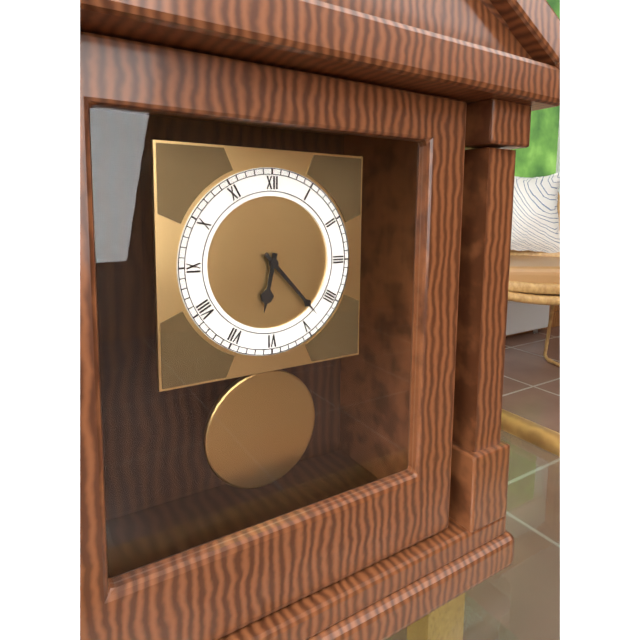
6:23
